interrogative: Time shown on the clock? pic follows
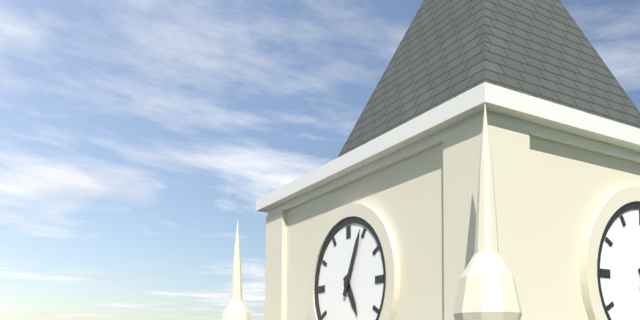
5:04
